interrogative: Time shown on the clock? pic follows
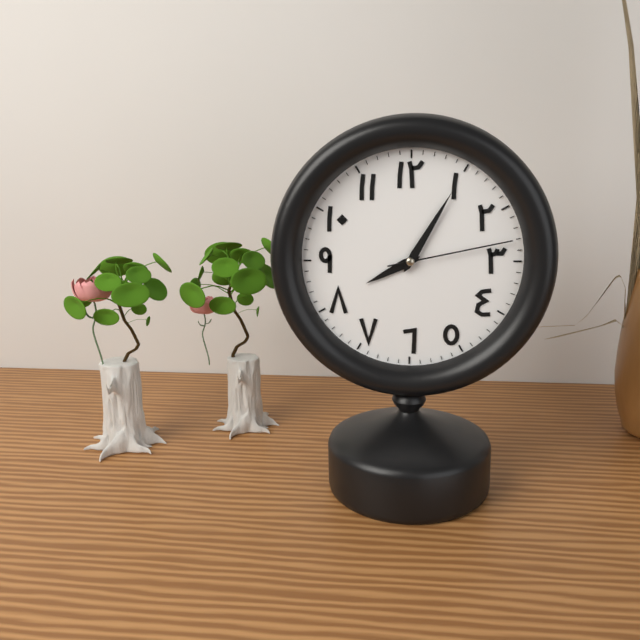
8:05:13
